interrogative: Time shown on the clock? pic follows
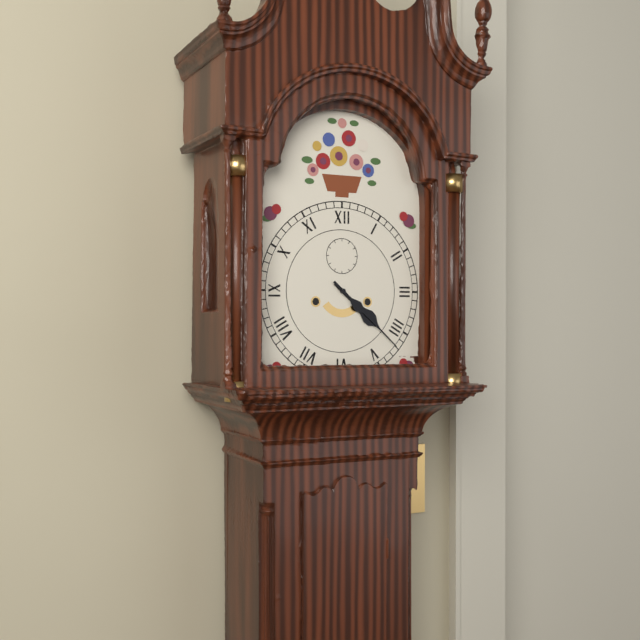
4:22
